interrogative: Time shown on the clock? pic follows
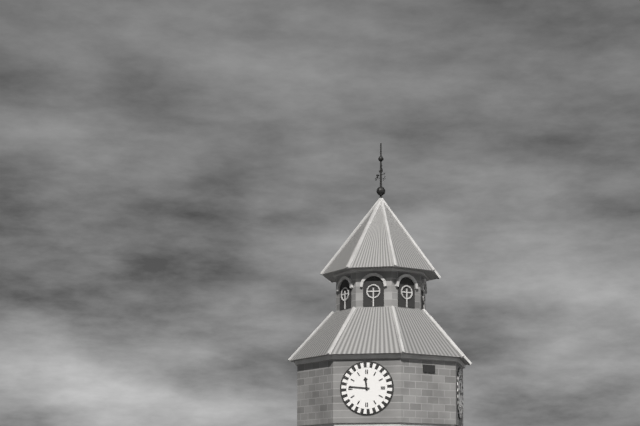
11:46
